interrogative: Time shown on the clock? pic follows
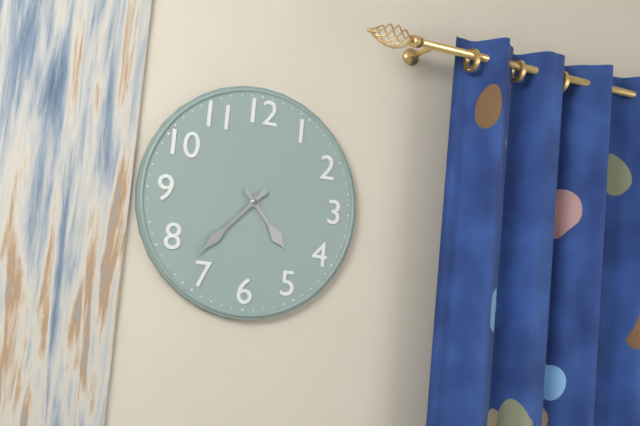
4:37
